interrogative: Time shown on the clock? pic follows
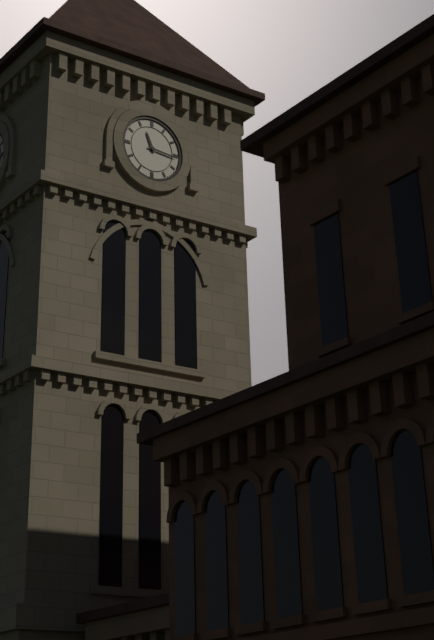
11:16
